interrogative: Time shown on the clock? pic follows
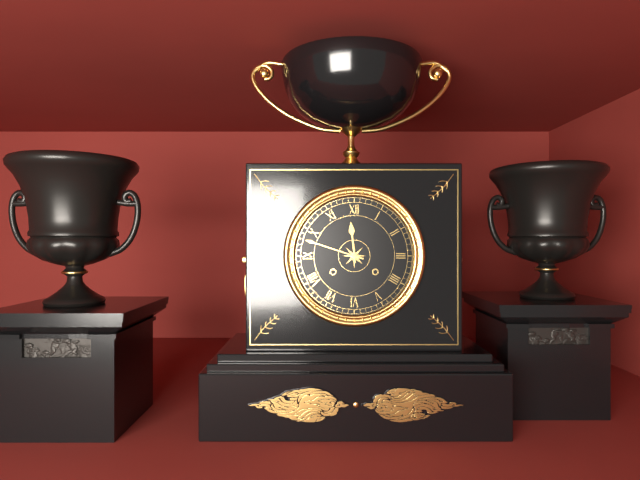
11:48
